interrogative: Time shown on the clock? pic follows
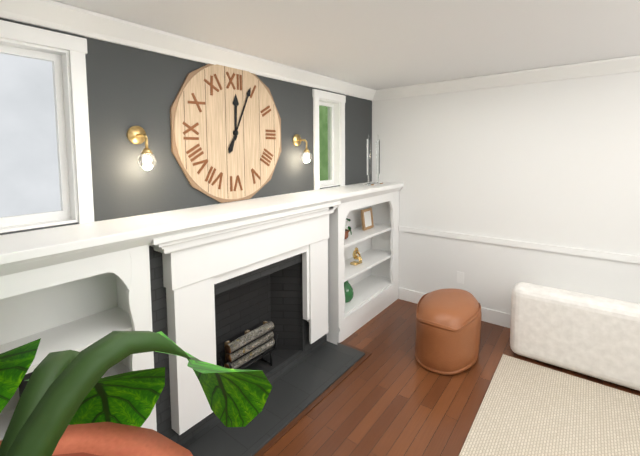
12:04
